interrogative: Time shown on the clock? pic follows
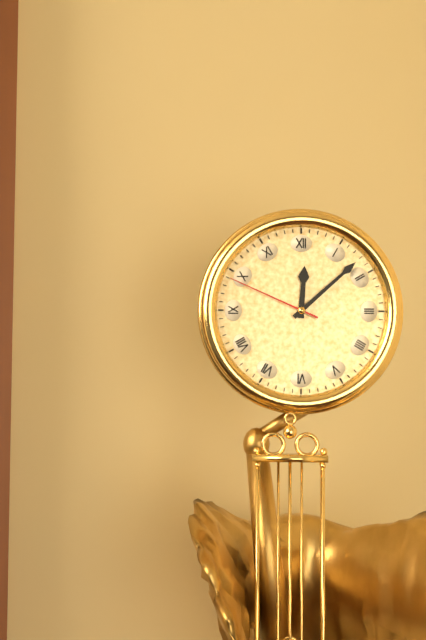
12:08:49
